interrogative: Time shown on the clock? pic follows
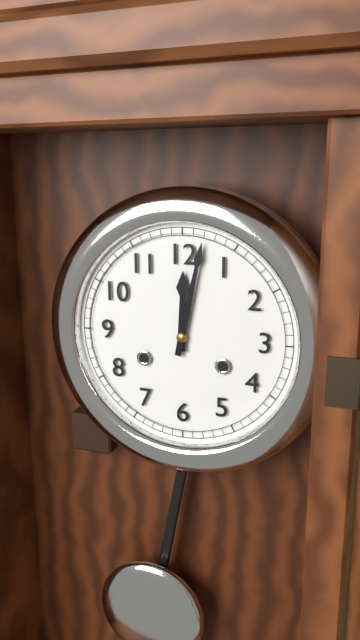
12:02
